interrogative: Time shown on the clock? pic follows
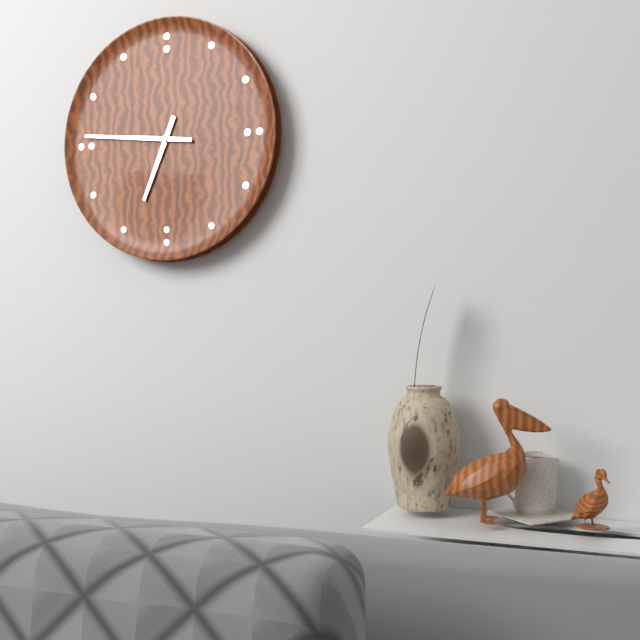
6:46
